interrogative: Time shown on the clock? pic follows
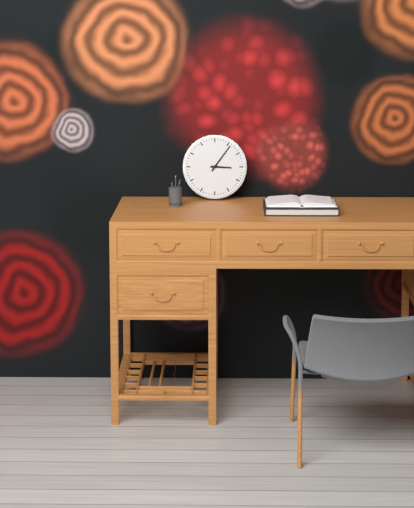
3:06
